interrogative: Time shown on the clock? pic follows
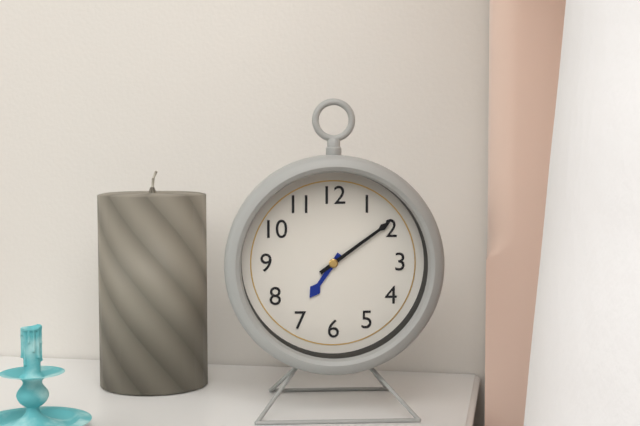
7:09
